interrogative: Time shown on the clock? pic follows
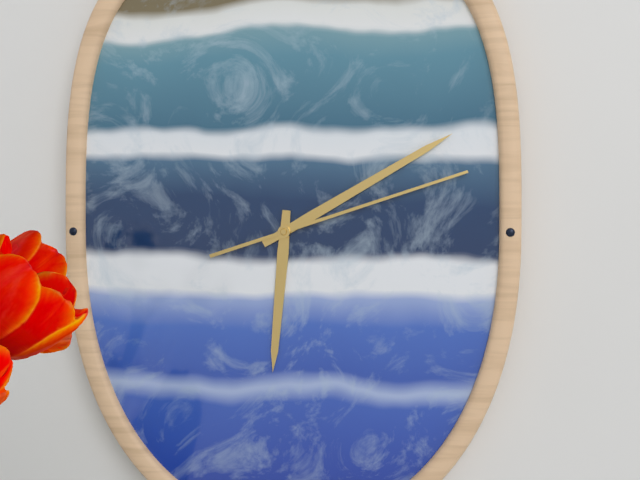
6:10:12
